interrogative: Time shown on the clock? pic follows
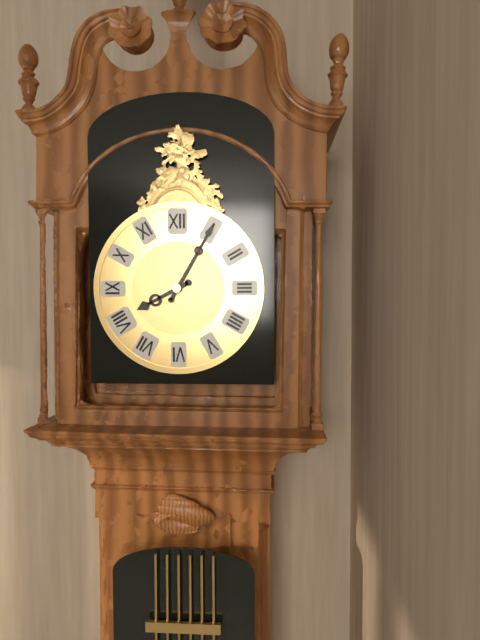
8:05
